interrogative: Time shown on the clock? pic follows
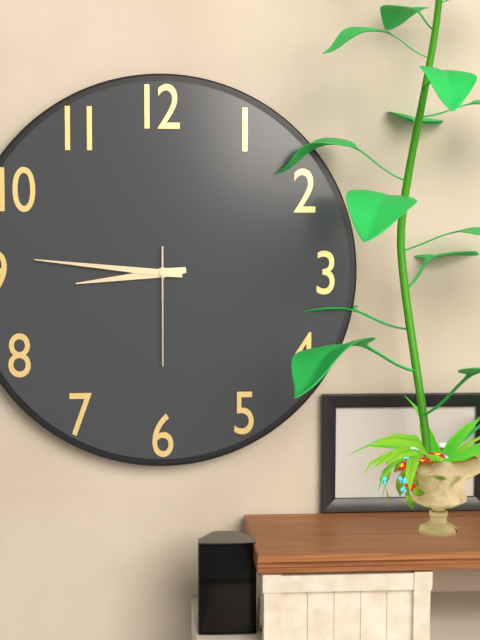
8:46:30
